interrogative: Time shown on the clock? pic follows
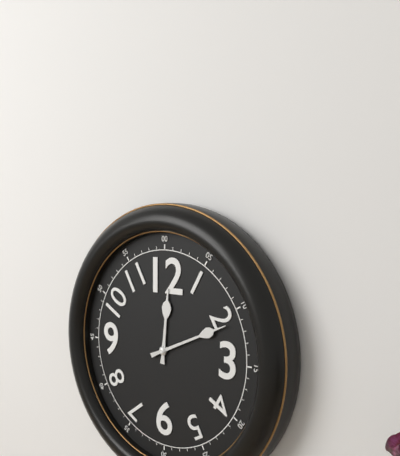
12:11
